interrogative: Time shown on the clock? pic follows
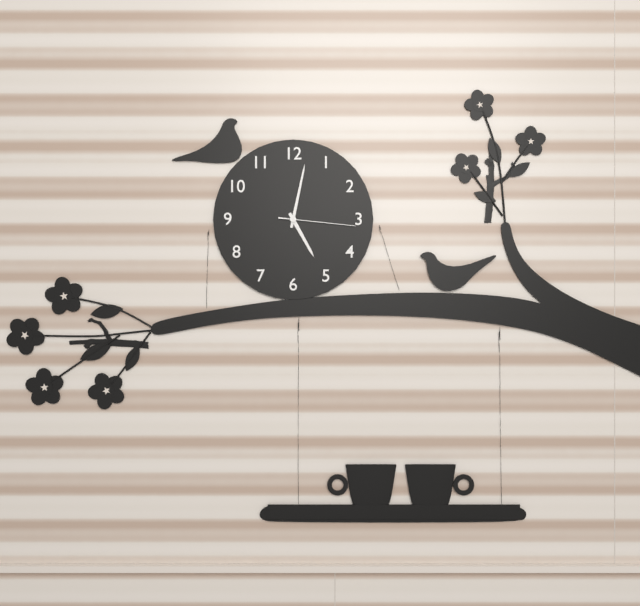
5:02:16
